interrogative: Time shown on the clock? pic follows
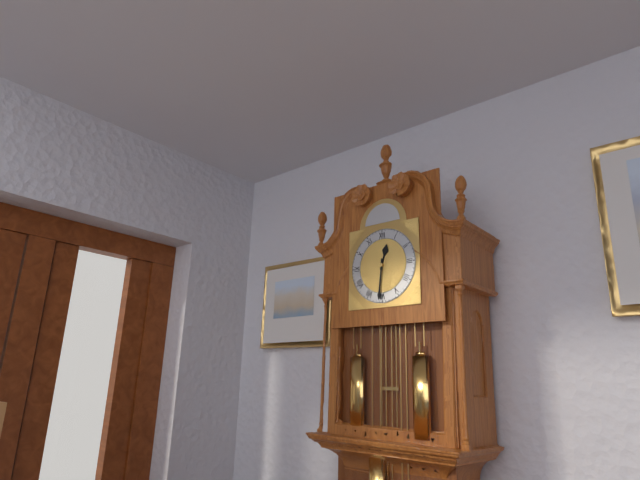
12:31
